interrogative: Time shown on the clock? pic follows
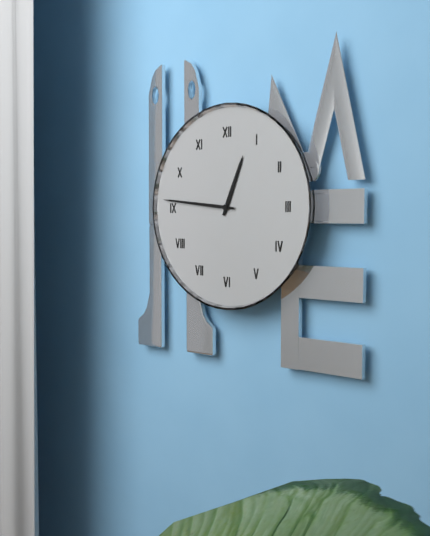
12:46
